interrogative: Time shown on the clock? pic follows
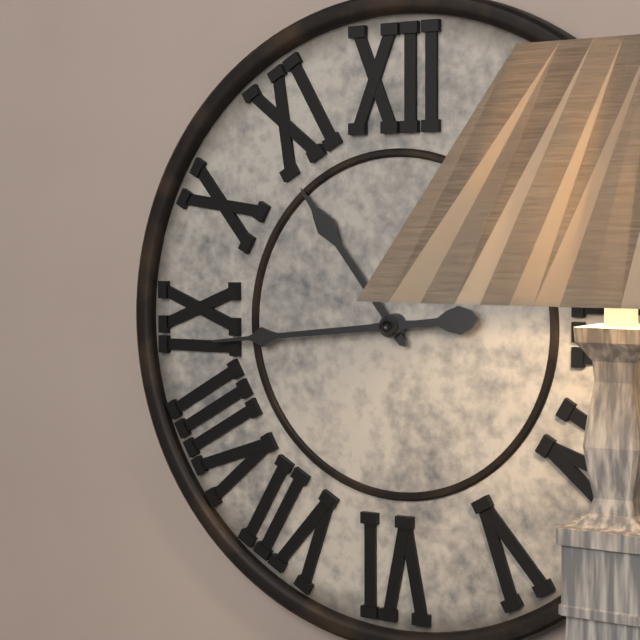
10:44
